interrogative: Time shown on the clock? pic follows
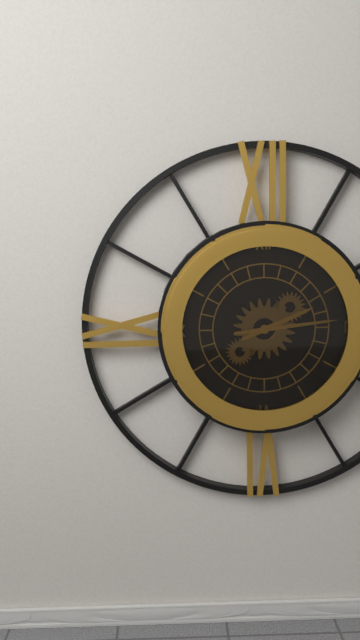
2:14
